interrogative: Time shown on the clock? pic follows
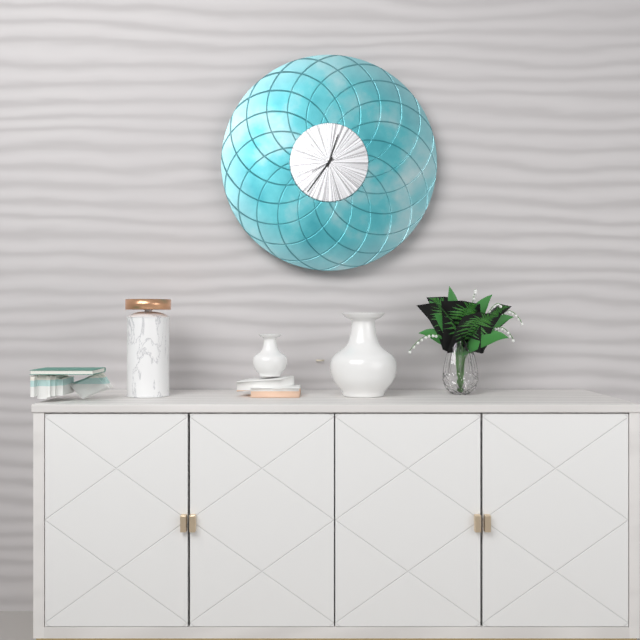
12:36
